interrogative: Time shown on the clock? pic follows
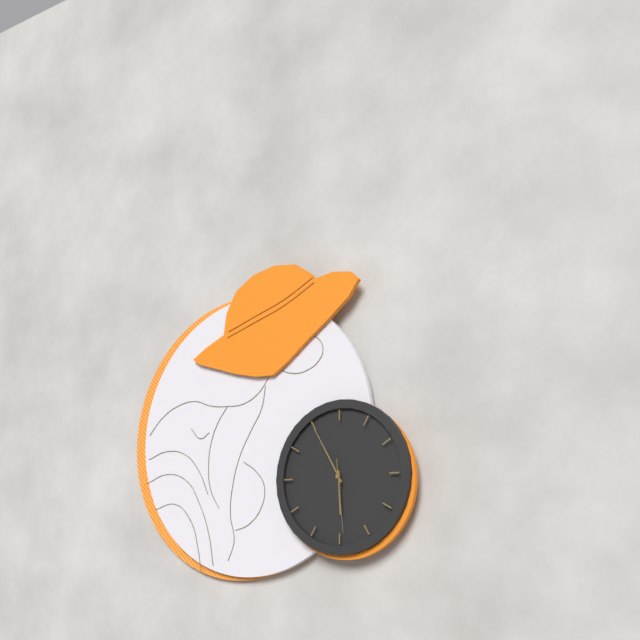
5:55:29
